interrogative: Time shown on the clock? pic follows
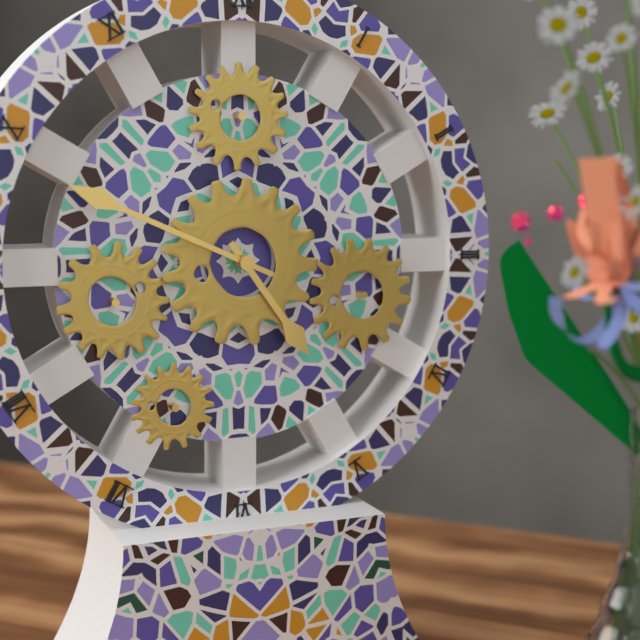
4:49
